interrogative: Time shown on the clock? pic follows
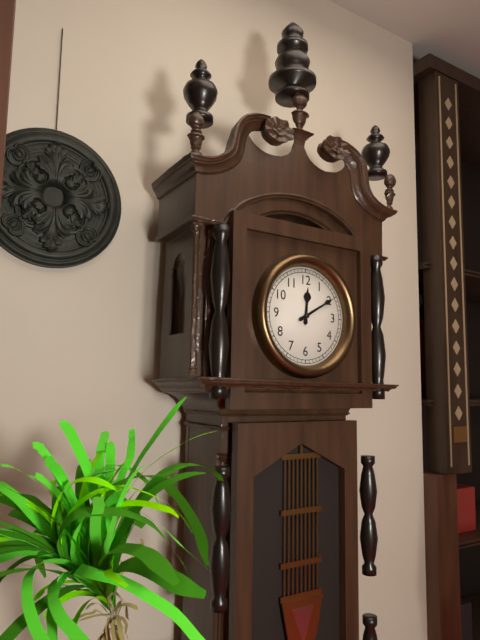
12:10
